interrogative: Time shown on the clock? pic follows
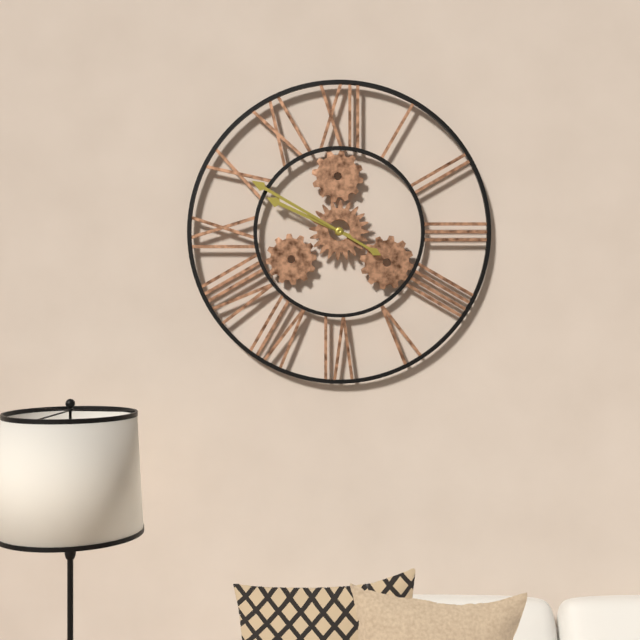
9:50
